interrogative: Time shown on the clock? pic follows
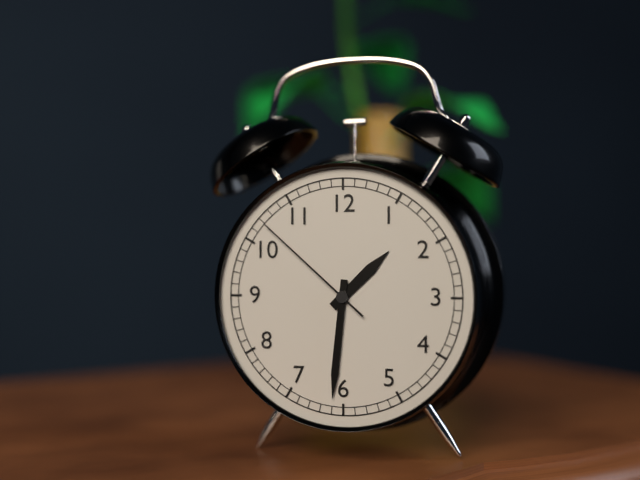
1:31:52
